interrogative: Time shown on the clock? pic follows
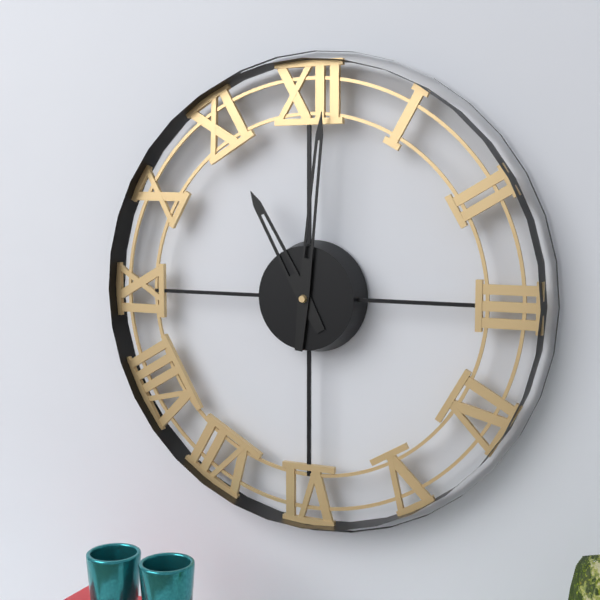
11:01
